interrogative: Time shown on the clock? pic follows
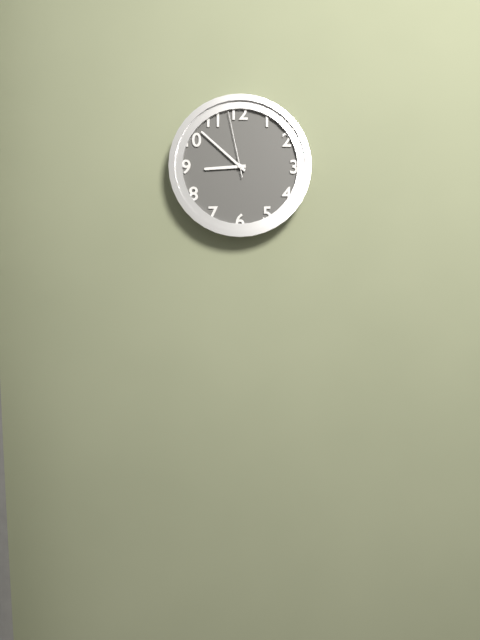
8:52:58
